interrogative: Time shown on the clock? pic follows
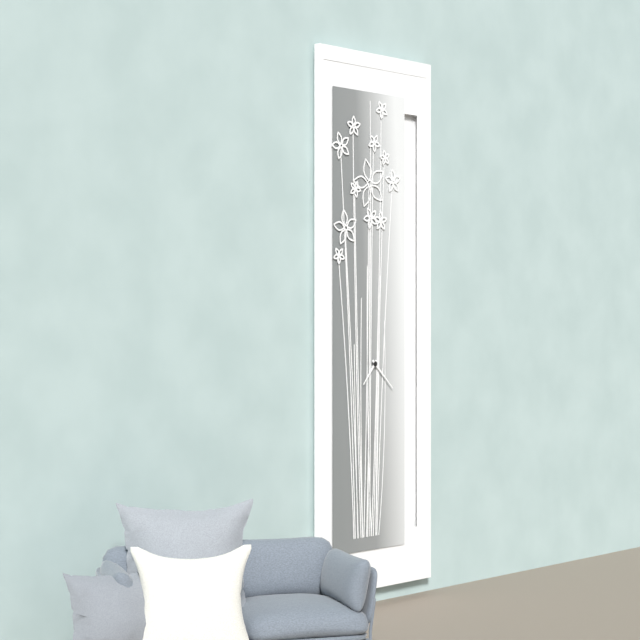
7:22
